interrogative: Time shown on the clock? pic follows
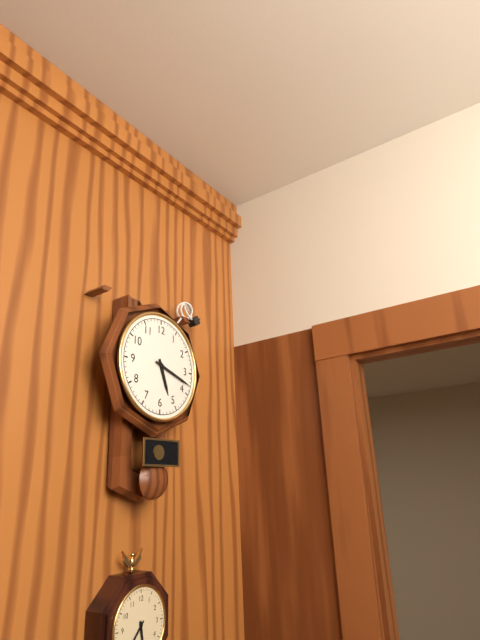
5:18
